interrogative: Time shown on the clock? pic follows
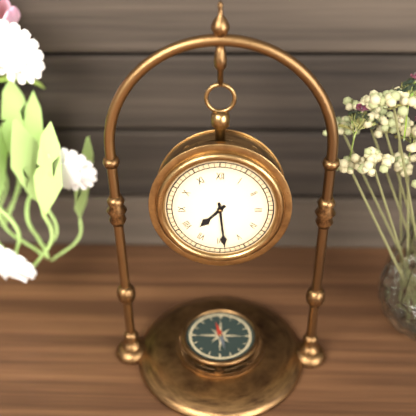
7:29
